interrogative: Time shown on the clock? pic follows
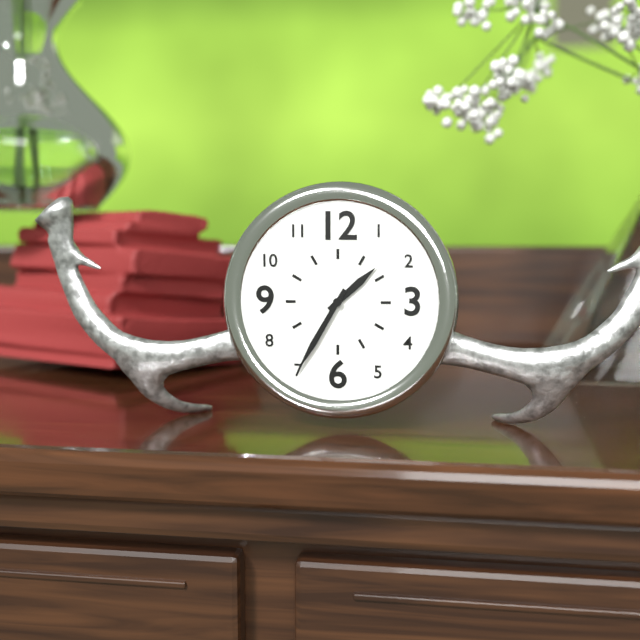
1:35
